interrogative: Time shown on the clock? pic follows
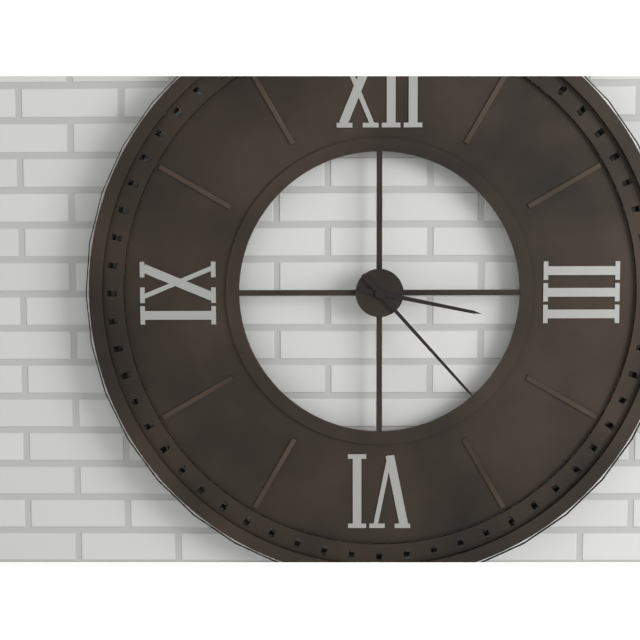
3:23
